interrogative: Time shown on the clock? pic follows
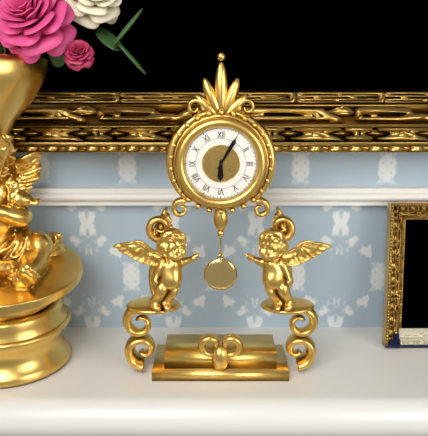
6:05
